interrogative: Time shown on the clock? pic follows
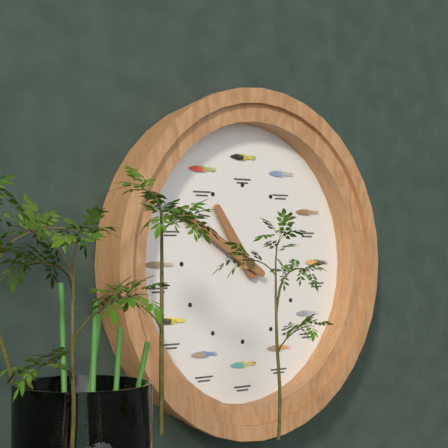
10:50
